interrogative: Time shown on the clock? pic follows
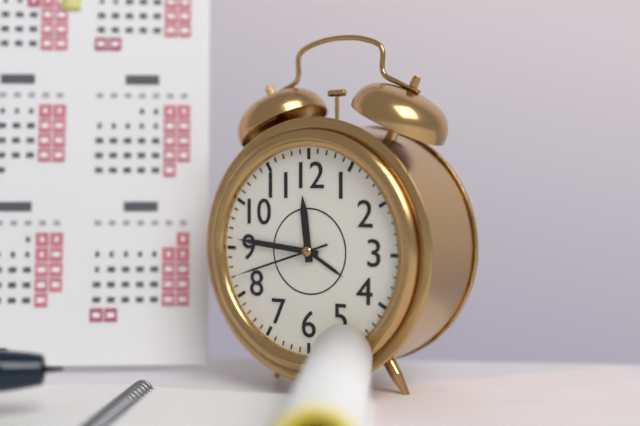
11:46:42
